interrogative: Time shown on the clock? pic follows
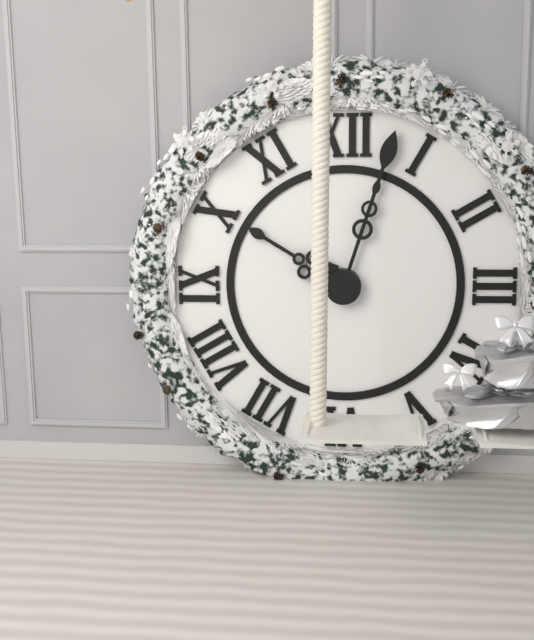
10:03
